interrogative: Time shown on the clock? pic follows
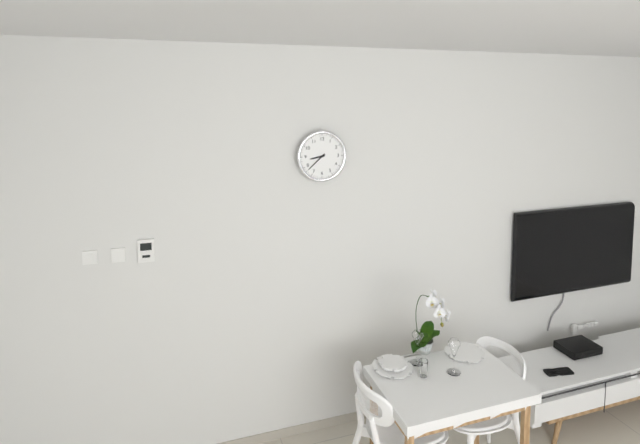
8:38
